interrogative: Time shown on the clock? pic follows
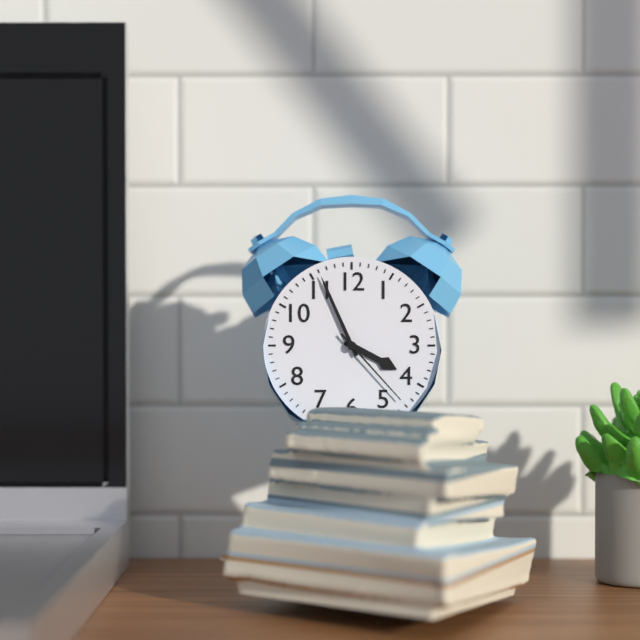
3:56:23
